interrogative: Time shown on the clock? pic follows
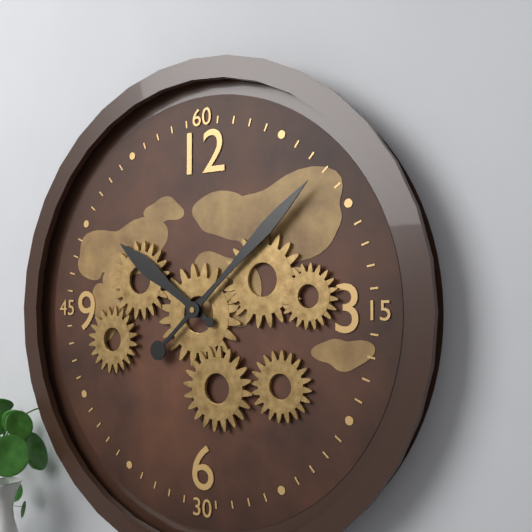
10:08
